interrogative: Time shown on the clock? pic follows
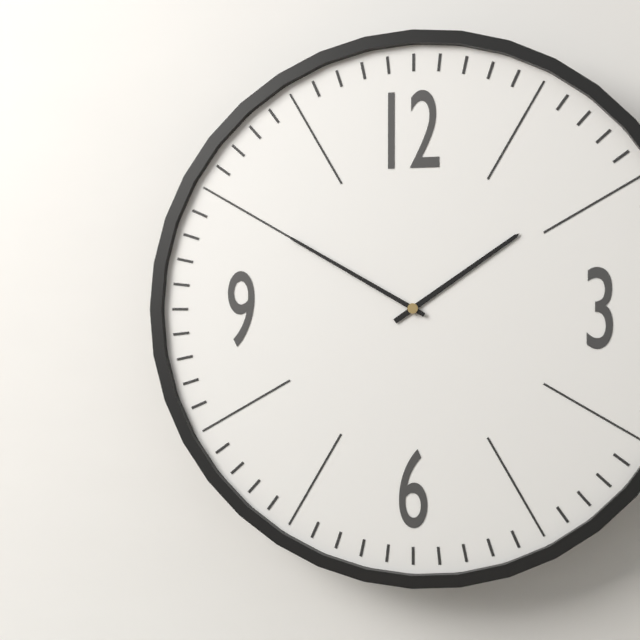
1:50
